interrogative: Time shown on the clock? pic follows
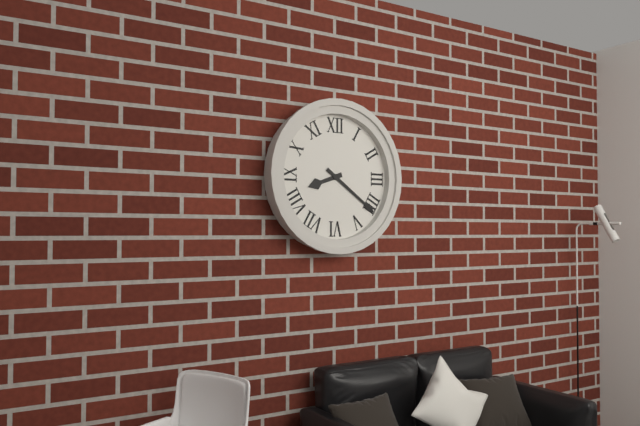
8:21
